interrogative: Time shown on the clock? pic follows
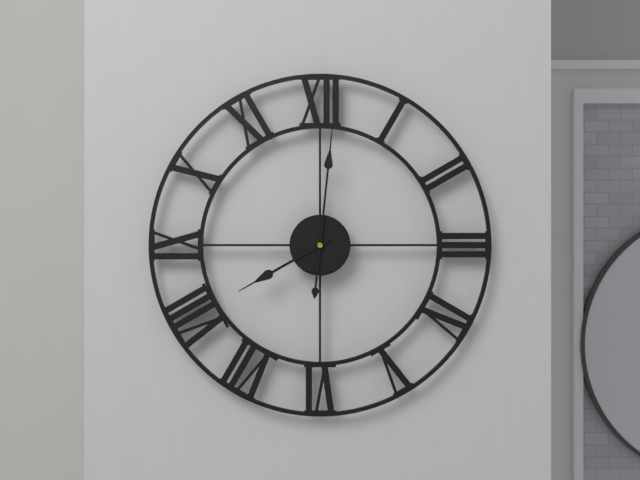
8:01
